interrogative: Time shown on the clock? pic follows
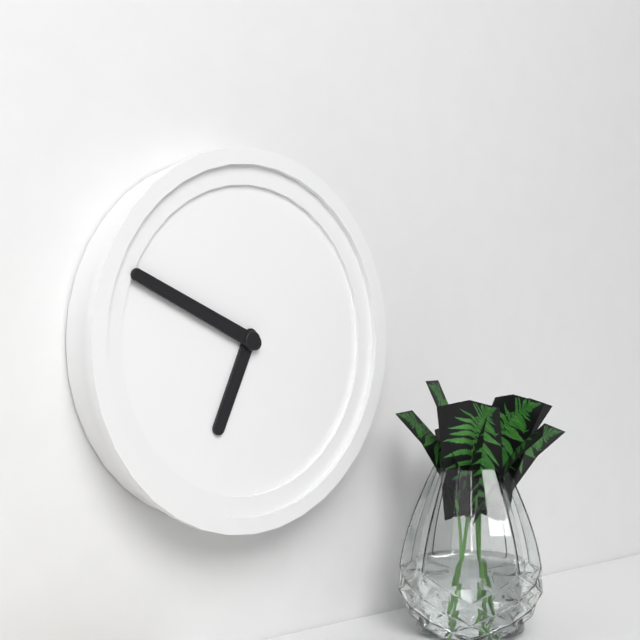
6:49
